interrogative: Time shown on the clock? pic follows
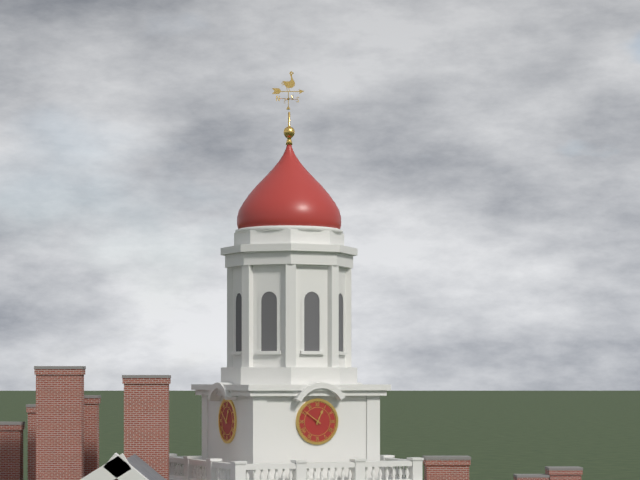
12:51
